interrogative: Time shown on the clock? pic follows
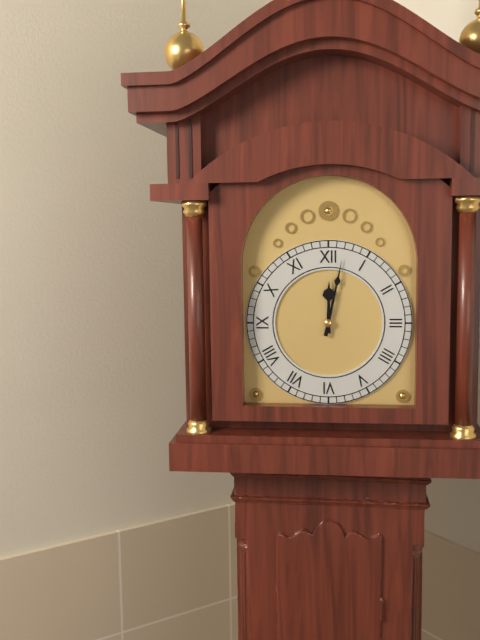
12:02
